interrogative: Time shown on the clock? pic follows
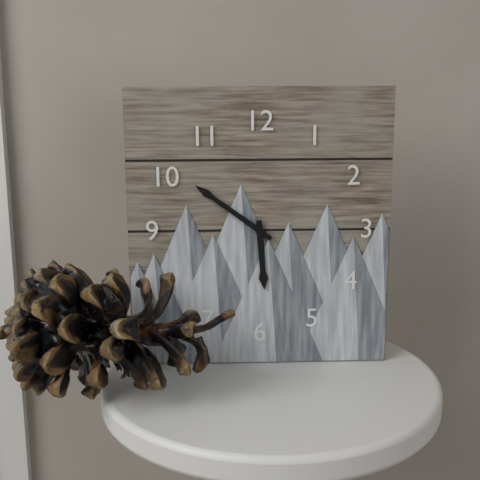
5:51
